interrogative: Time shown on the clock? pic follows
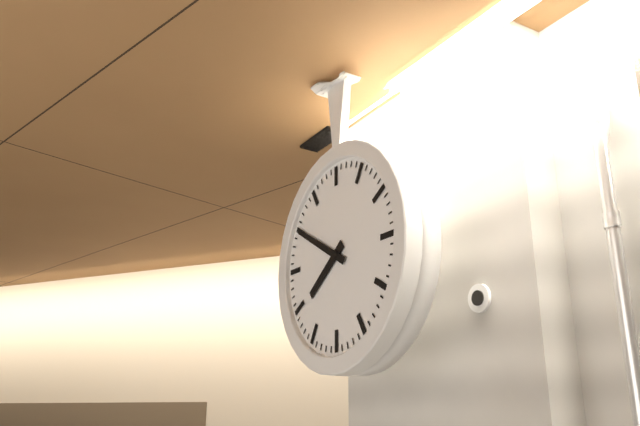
7:50
